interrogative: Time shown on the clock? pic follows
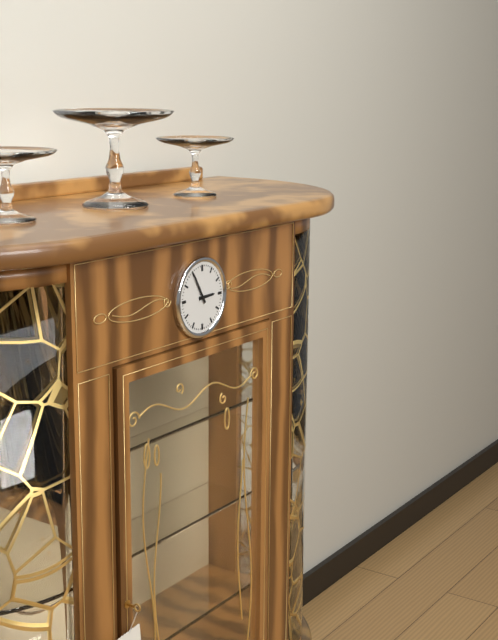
2:55
